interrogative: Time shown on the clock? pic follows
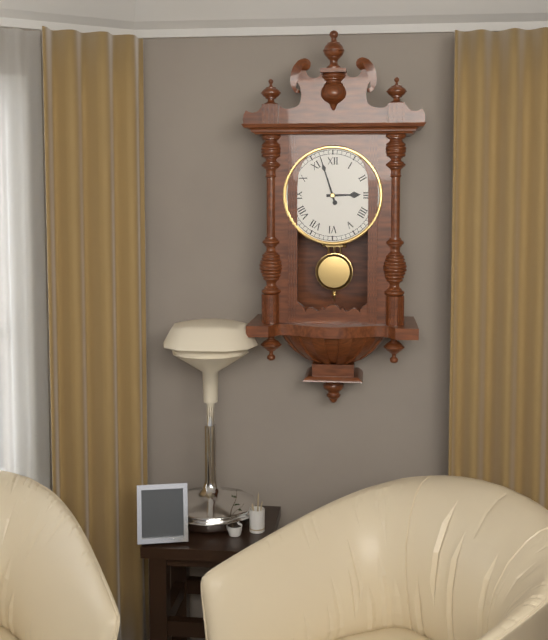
2:57
